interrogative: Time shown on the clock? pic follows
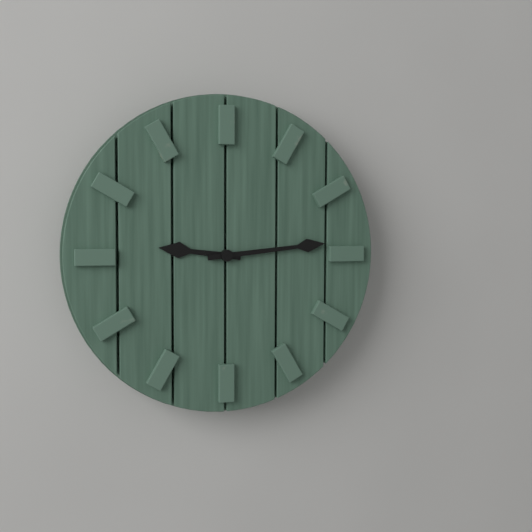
9:14
